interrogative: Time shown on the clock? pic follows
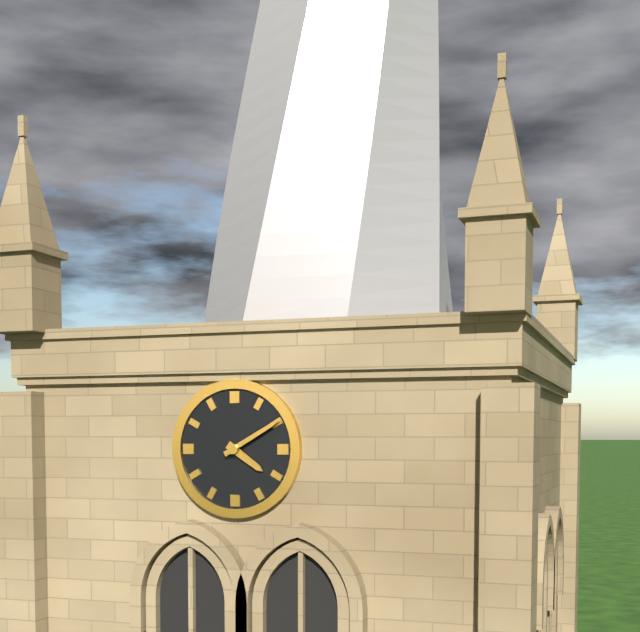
4:10
